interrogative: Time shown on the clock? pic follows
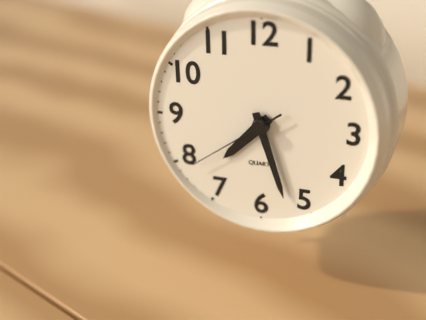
7:27:39
